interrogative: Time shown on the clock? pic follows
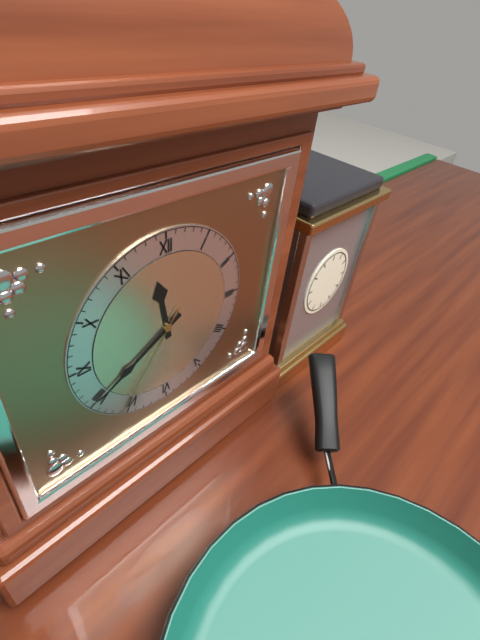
11:40:36
